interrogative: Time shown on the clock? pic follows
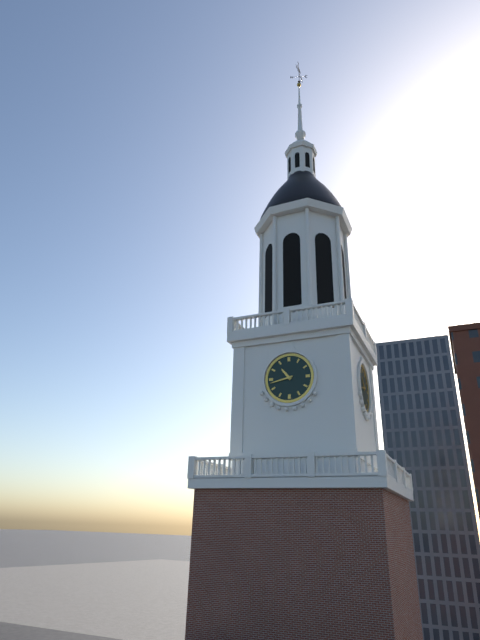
10:43
